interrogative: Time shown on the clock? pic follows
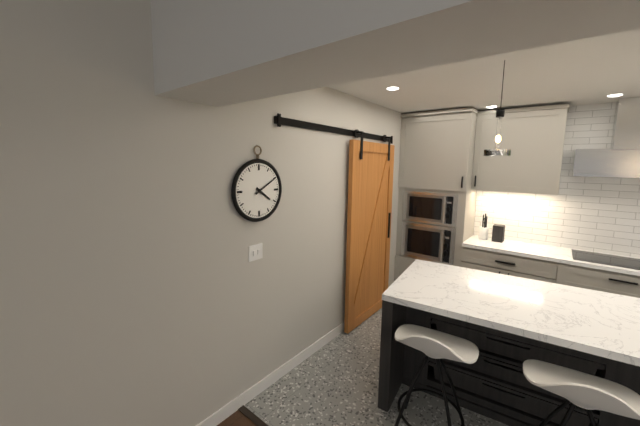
4:10
